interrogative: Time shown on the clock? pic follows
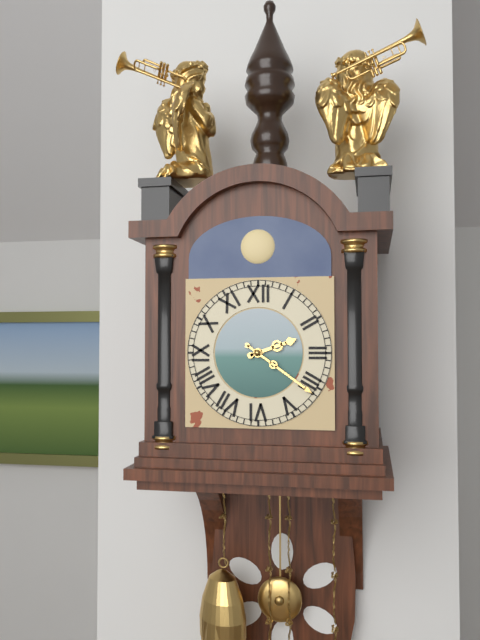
2:21
